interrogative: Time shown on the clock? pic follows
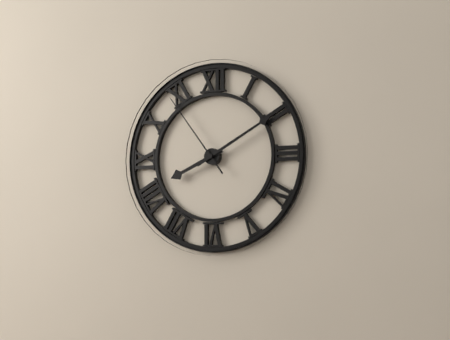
8:10:54
